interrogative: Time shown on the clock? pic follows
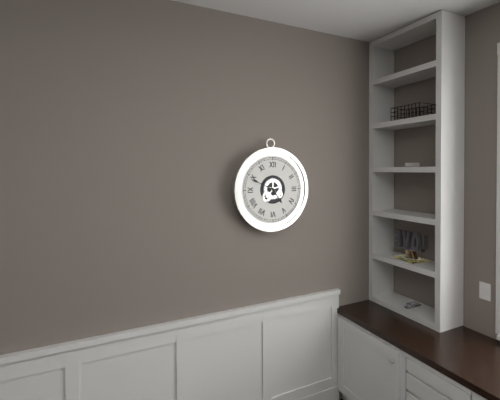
4:49
